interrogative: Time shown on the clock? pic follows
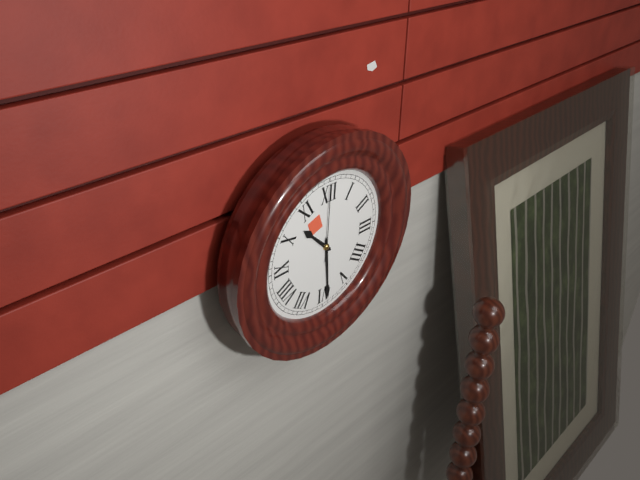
10:29:00
